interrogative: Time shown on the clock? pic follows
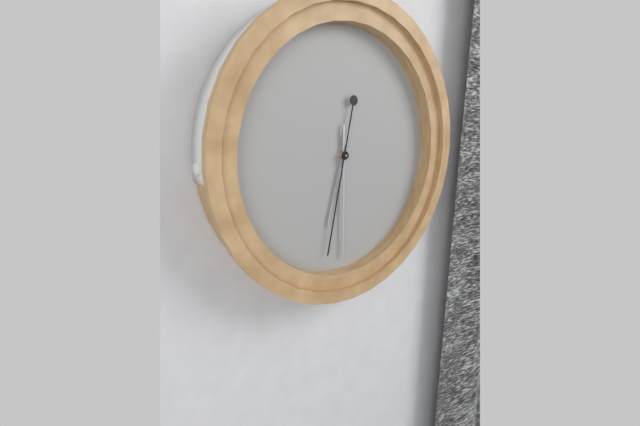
6:30:32
